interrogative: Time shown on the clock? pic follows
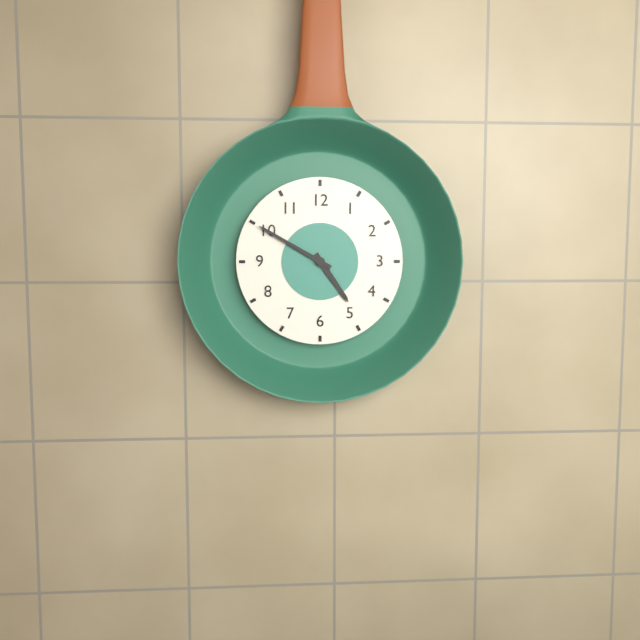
4:50
